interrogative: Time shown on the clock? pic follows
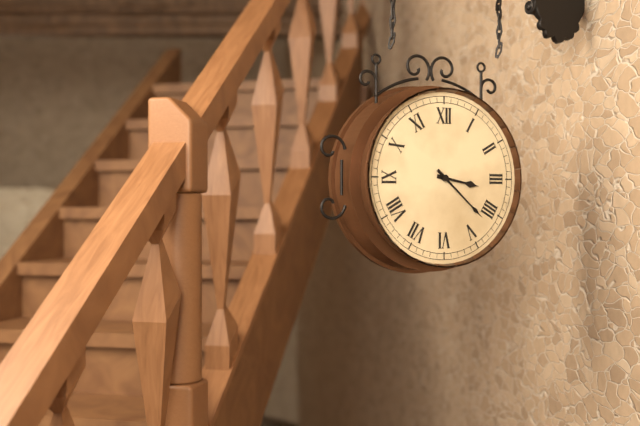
3:22
